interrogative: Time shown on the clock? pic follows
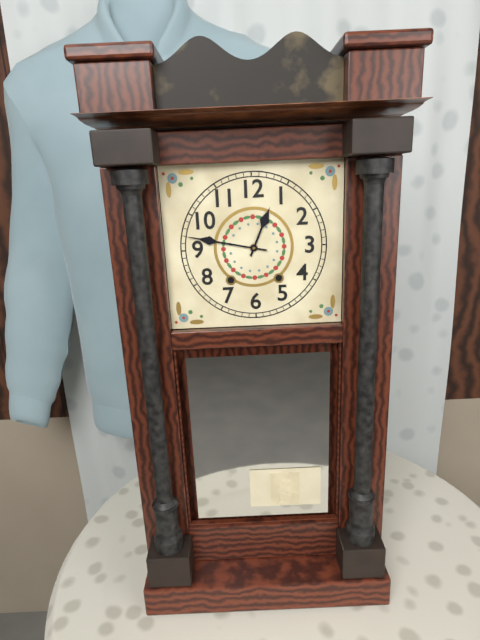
12:47
